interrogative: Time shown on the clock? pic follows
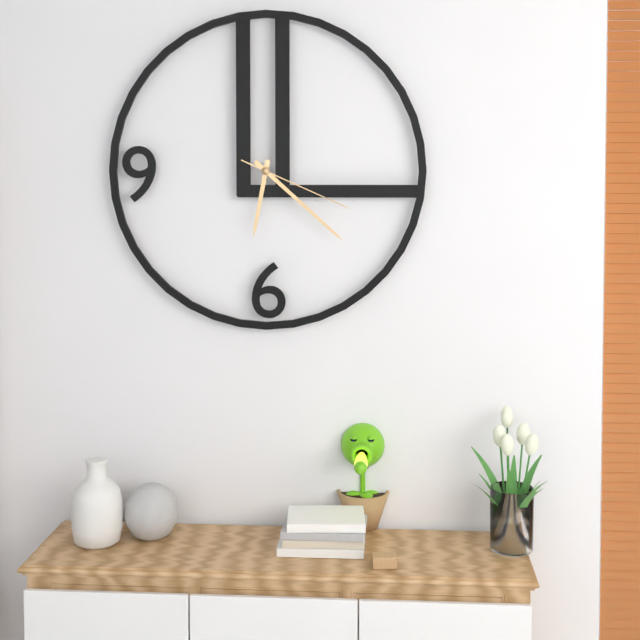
6:22:19
